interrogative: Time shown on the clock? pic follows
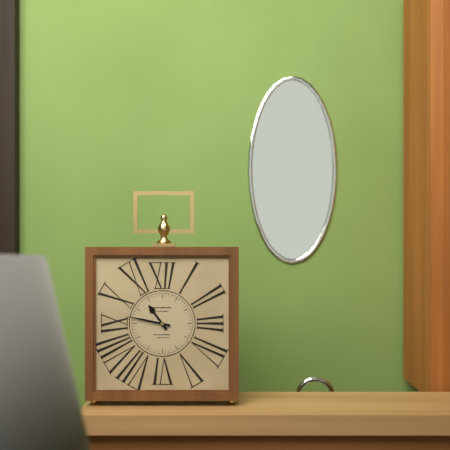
10:47
